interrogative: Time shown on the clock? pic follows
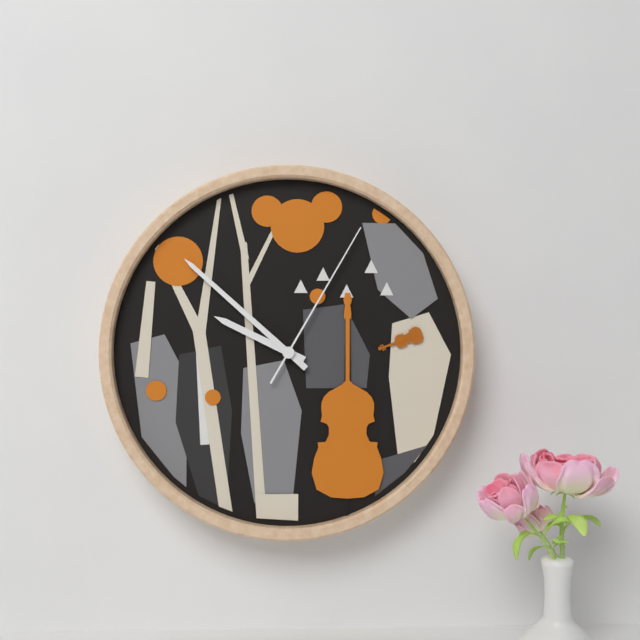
9:52:05
